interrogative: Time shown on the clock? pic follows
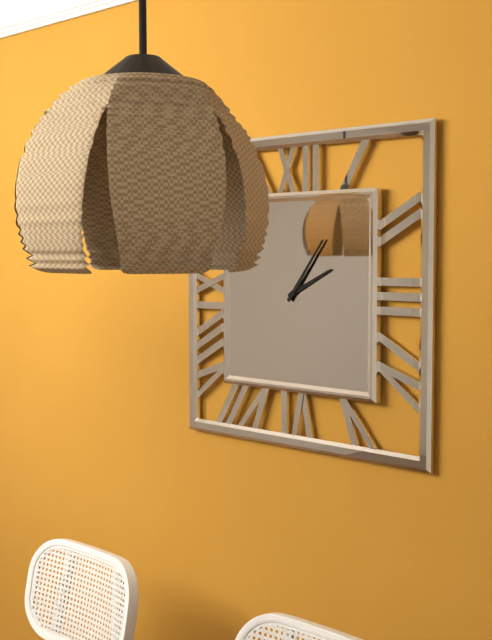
2:06
